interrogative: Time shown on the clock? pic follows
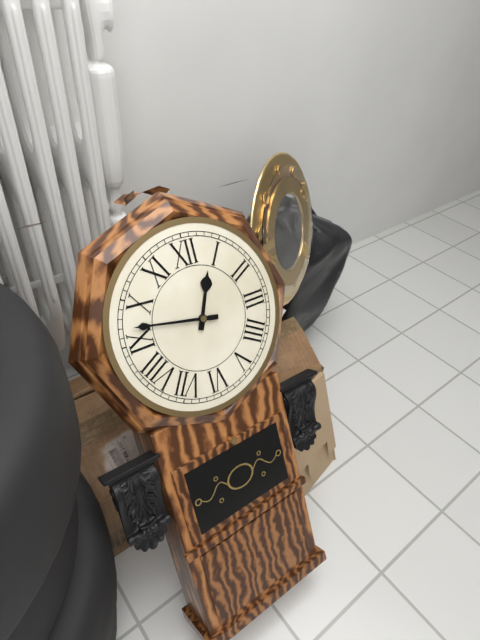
12:47
